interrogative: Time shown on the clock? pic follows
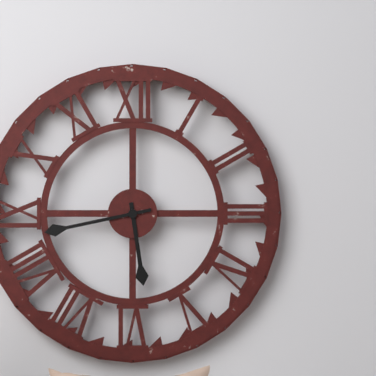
5:43
